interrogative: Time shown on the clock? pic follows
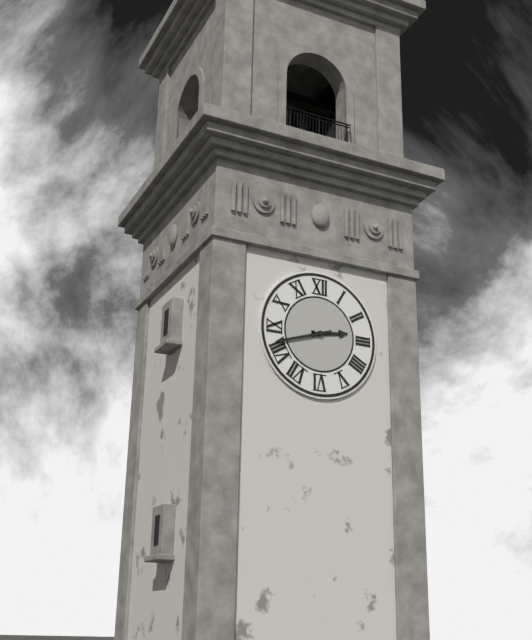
2:42
